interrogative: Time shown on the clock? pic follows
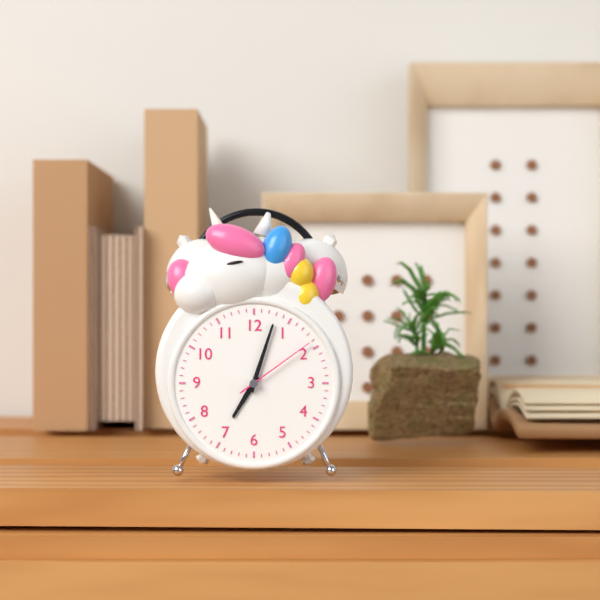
7:03:09
